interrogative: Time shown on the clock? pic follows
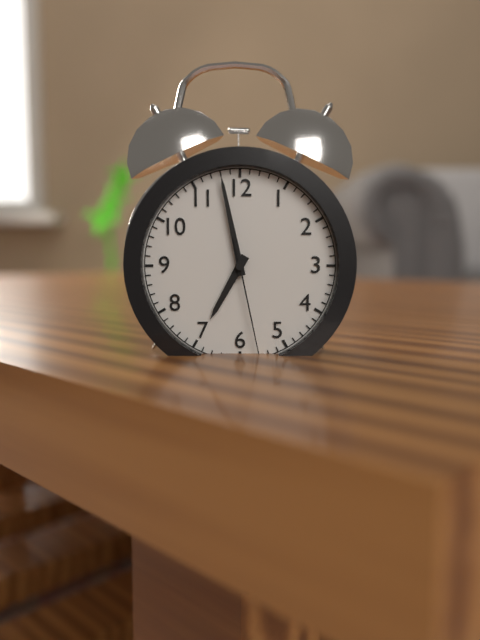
6:58:28
